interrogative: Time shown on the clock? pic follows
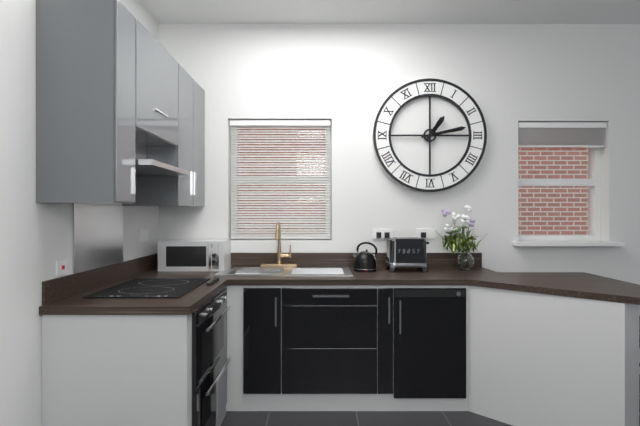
1:13
